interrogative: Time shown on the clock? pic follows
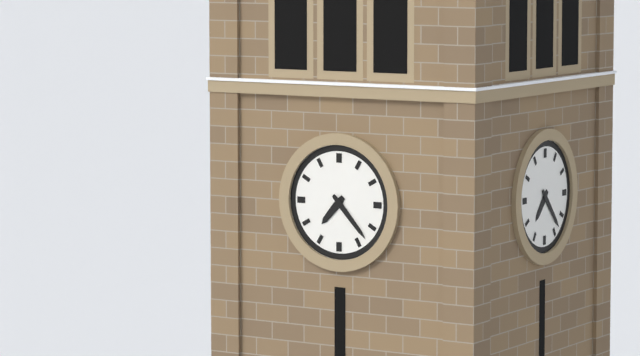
7:23
